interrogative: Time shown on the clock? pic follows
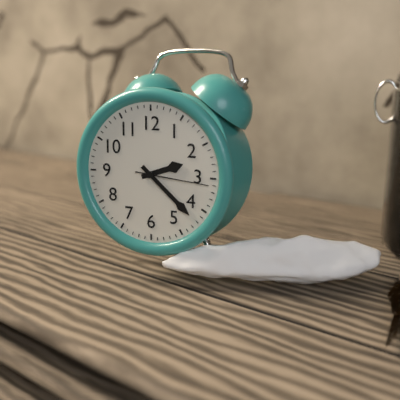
2:22:16
